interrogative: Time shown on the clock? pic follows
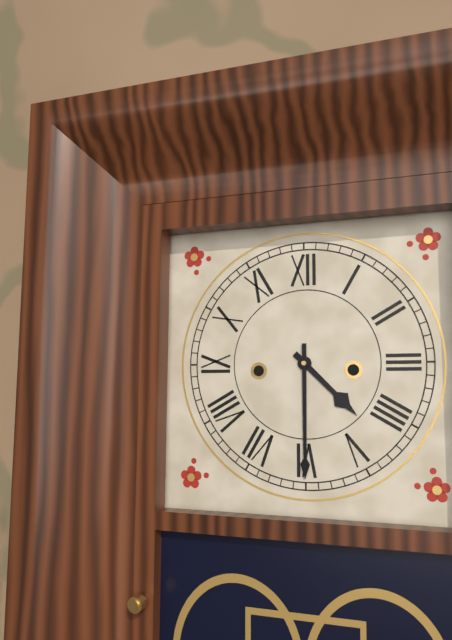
4:30
